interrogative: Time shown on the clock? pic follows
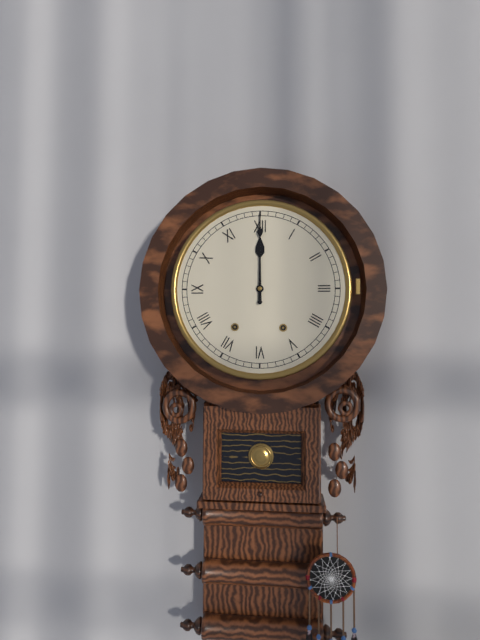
12:00
